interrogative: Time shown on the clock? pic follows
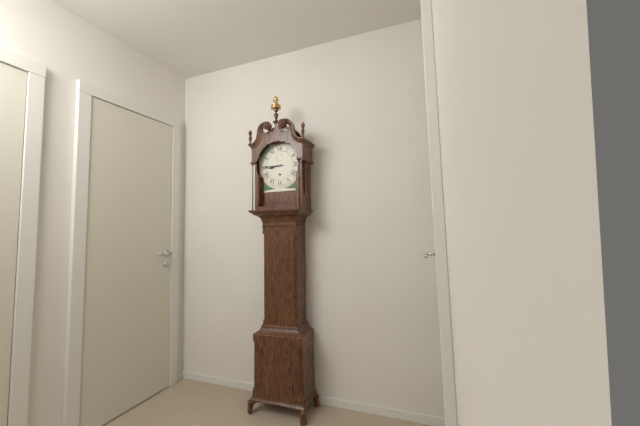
8:45
